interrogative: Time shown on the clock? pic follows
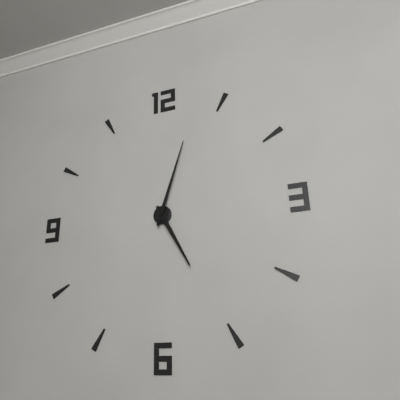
5:03
